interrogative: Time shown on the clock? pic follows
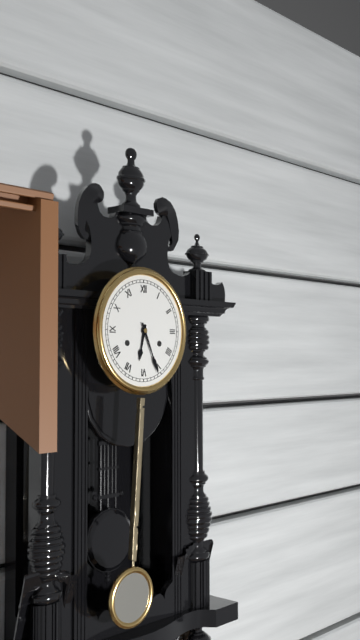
6:26
